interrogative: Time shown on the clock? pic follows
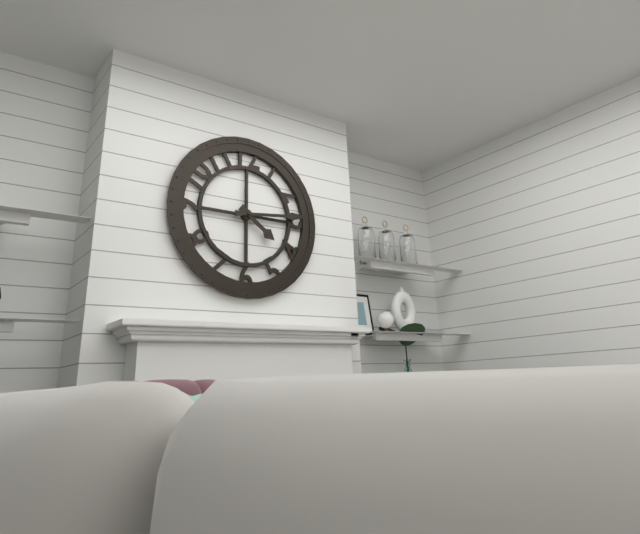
4:14
